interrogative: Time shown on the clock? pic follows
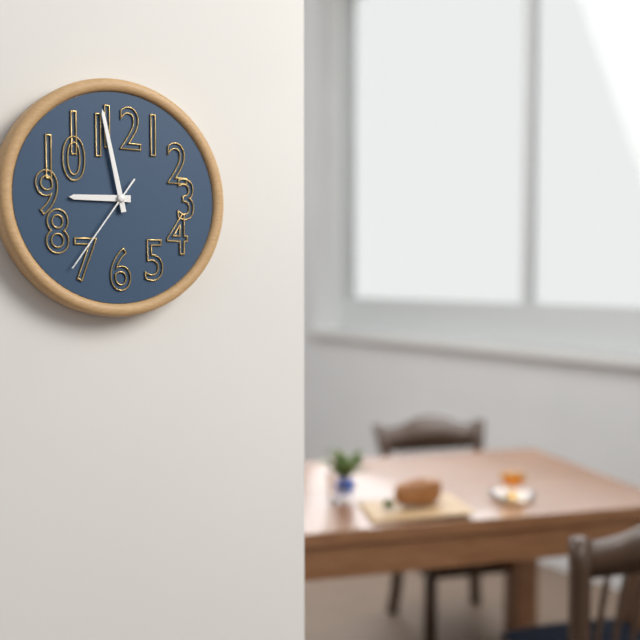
8:58:36
